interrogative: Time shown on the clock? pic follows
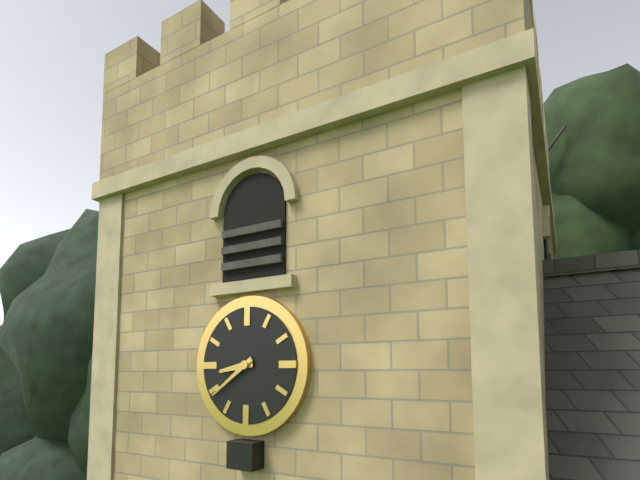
8:39
